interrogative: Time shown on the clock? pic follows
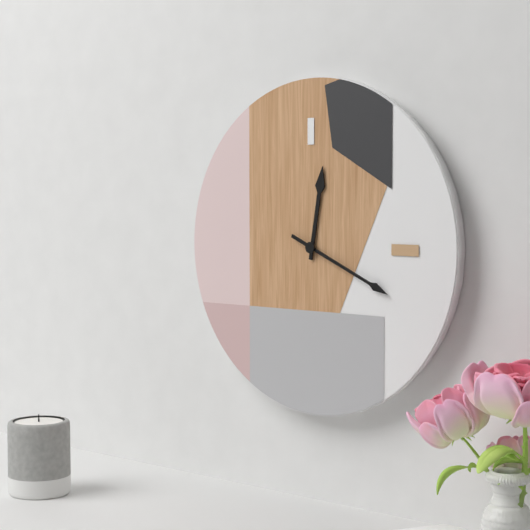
12:19
